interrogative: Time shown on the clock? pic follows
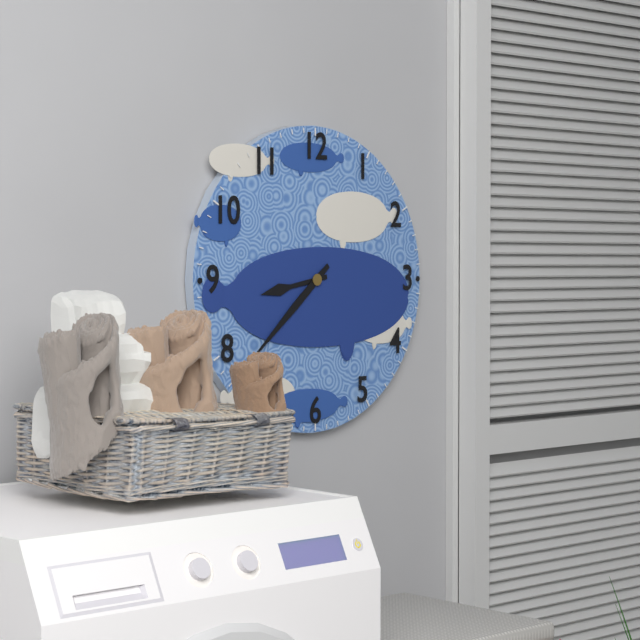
8:38
